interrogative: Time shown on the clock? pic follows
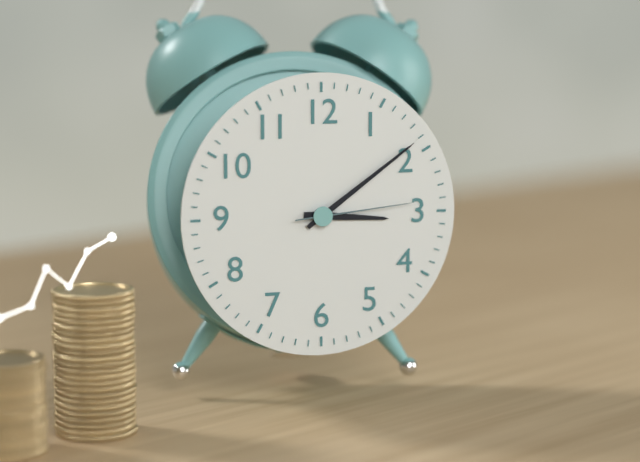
3:09:14
